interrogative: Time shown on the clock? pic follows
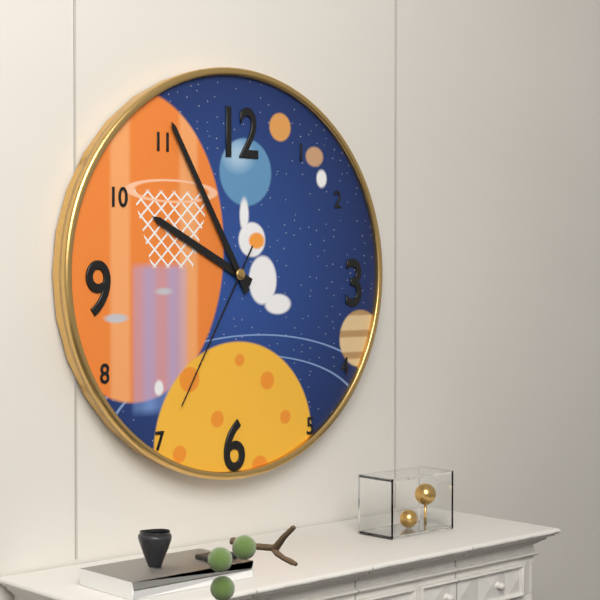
9:55:35
